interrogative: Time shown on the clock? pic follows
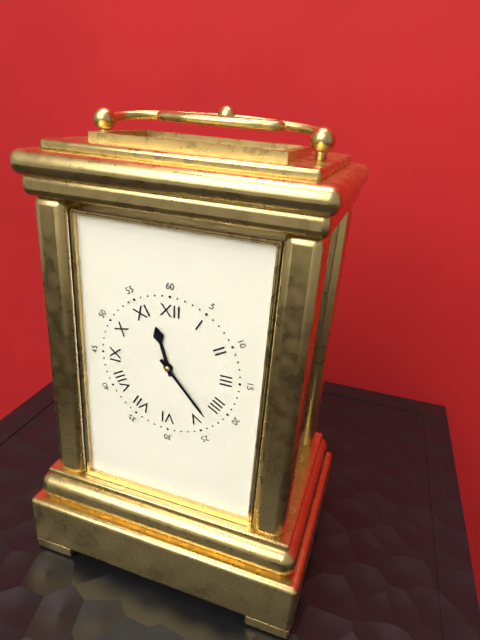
11:23
